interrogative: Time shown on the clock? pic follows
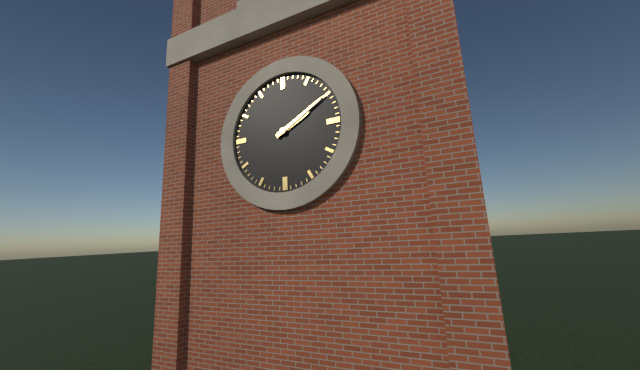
2:10
